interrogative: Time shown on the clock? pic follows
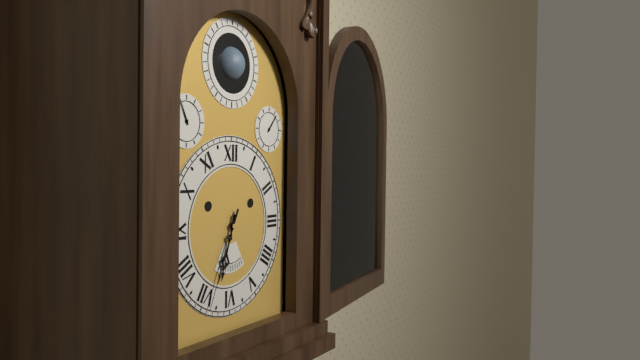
6:34
